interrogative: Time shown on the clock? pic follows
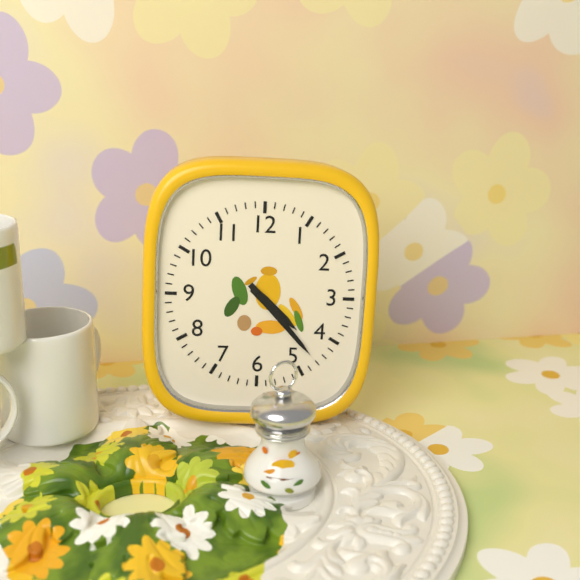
4:23
